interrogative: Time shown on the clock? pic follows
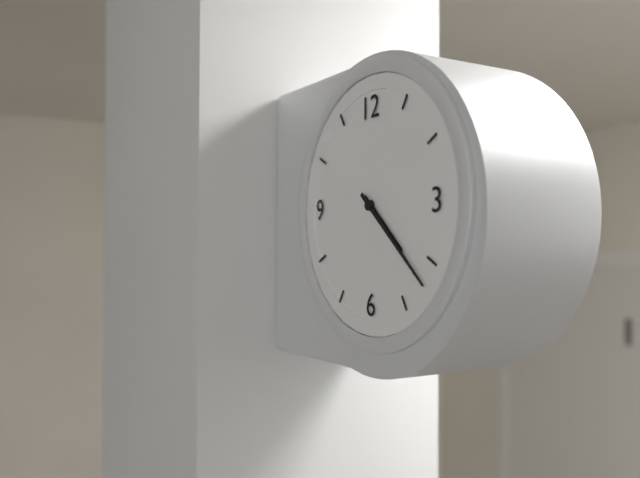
4:22
